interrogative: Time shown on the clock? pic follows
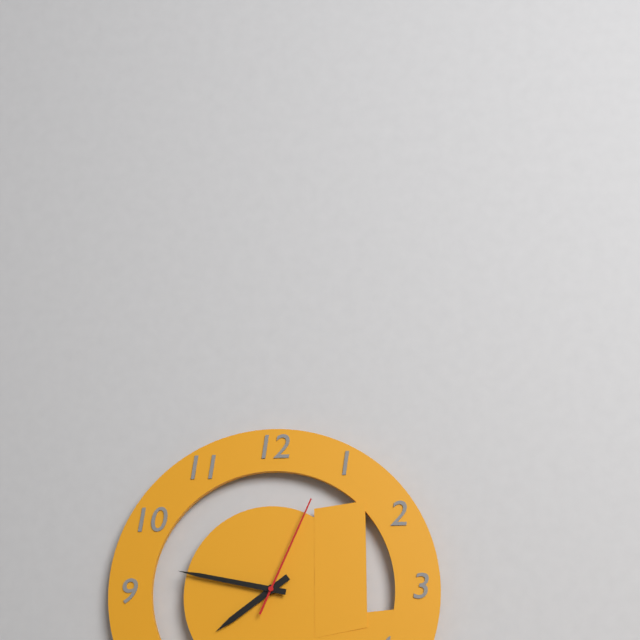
7:47:04
